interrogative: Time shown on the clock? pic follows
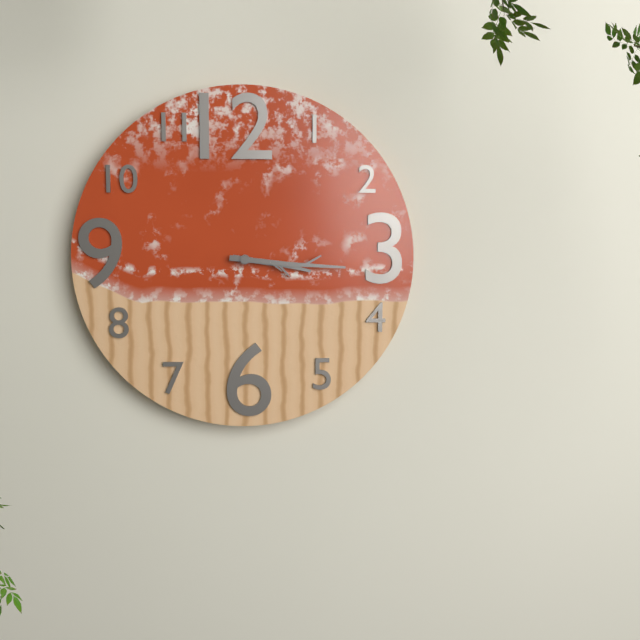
3:16
